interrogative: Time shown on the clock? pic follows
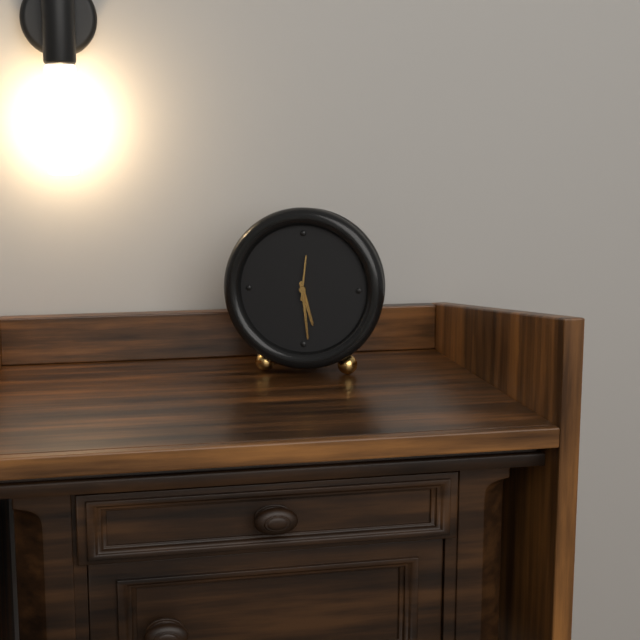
5:29
